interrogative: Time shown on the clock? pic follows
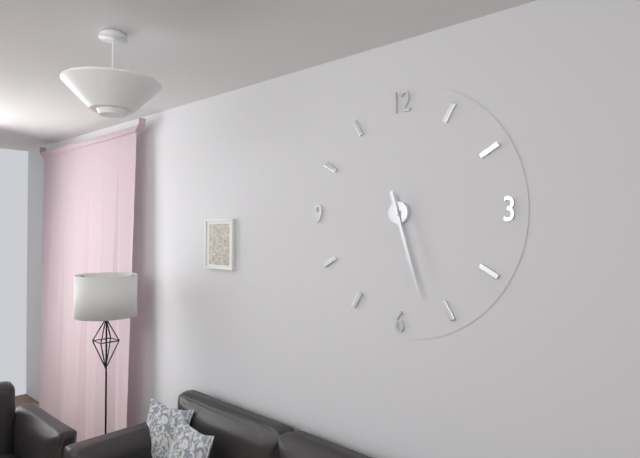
5:27
